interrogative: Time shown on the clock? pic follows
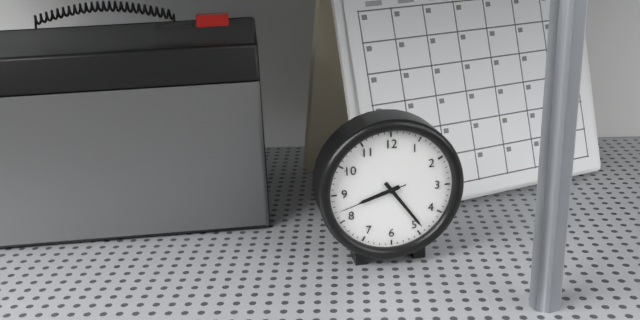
8:24:42
